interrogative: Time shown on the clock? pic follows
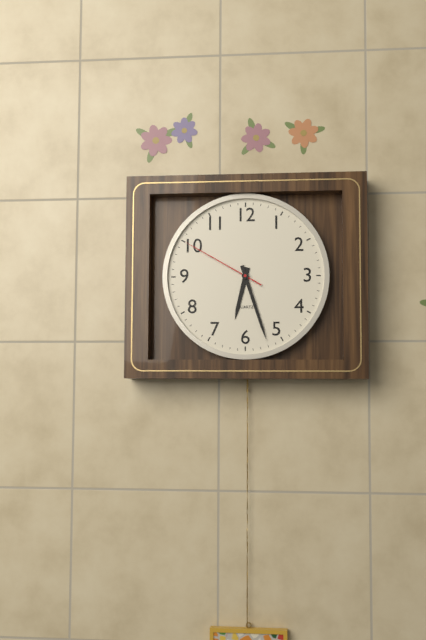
6:27:50
